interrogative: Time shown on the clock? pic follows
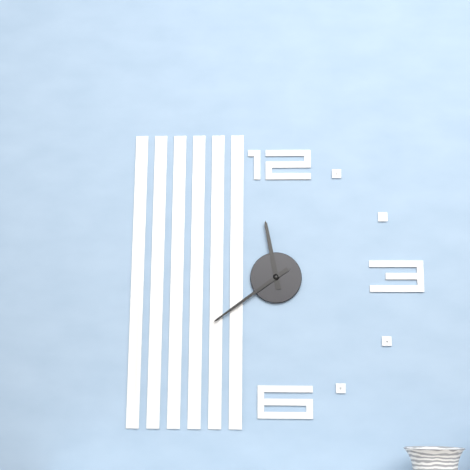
11:39
